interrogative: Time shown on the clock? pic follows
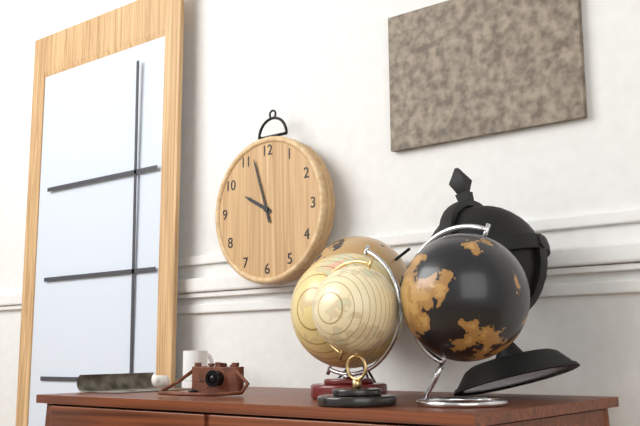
9:57
